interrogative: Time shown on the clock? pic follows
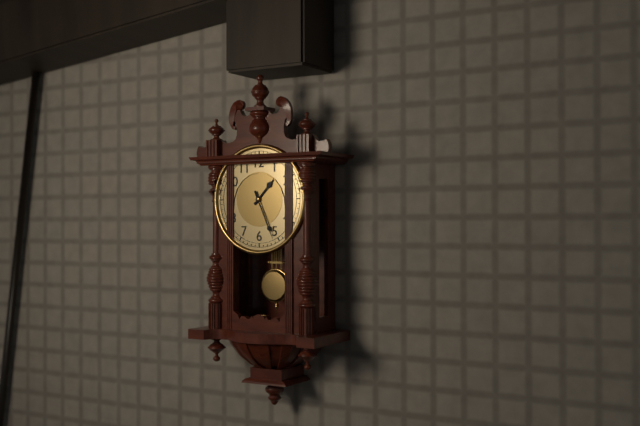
1:26
